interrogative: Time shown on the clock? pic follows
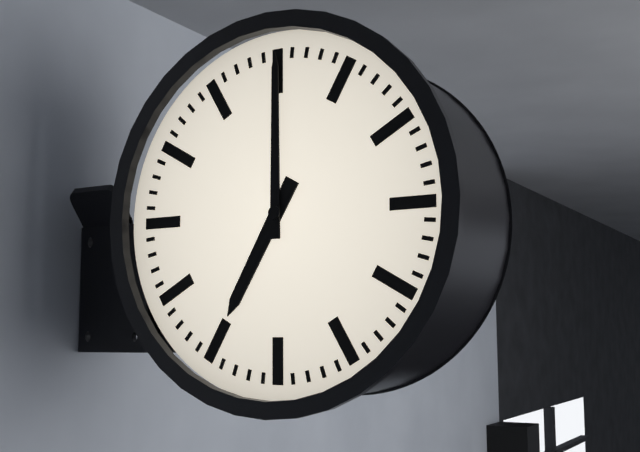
7:00
